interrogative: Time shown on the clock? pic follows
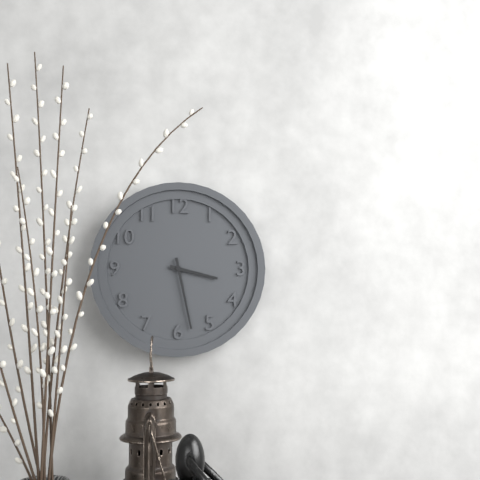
3:28
